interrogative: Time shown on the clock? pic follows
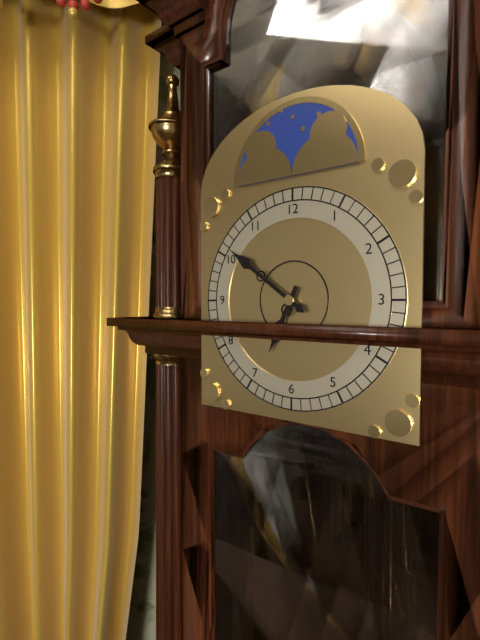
6:51
